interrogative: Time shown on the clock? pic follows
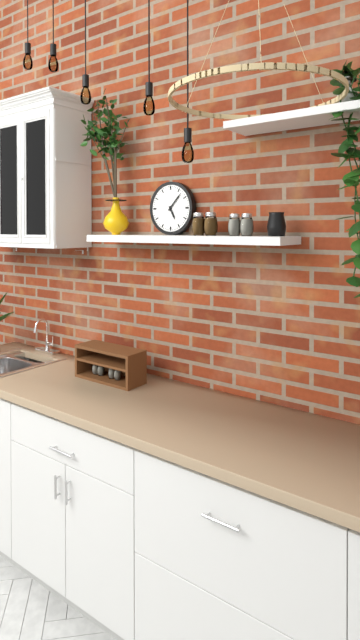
5:07
